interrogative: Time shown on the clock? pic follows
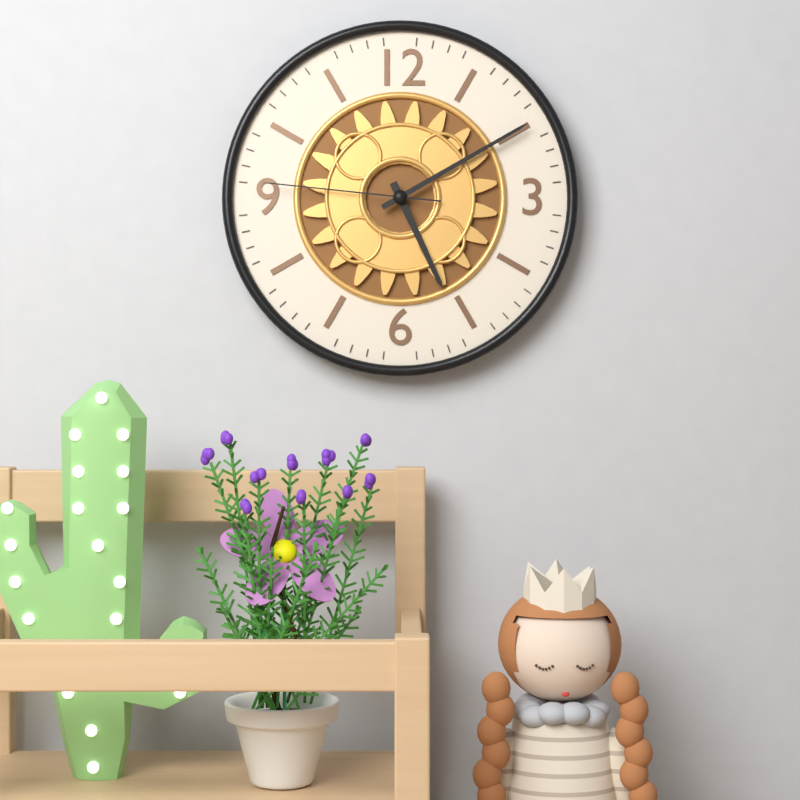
5:10:46
